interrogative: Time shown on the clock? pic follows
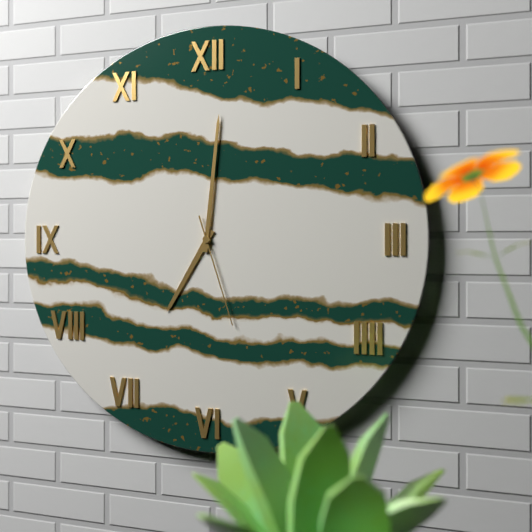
7:01:27
